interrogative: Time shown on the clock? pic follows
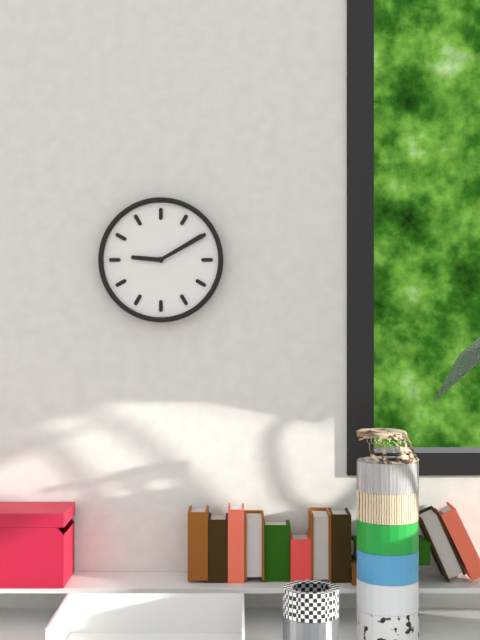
9:10
